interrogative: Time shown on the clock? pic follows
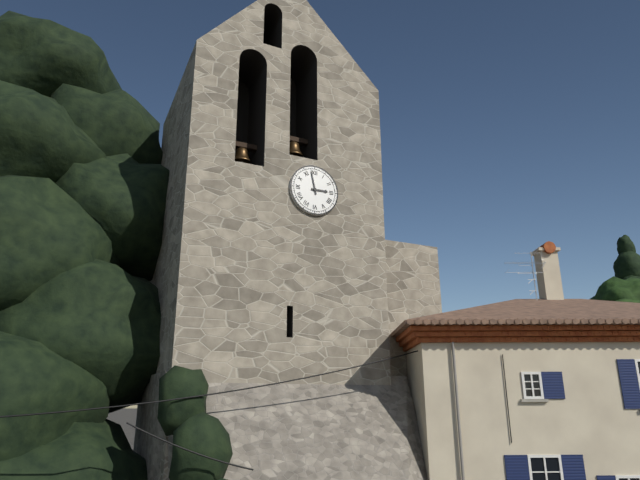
2:58
